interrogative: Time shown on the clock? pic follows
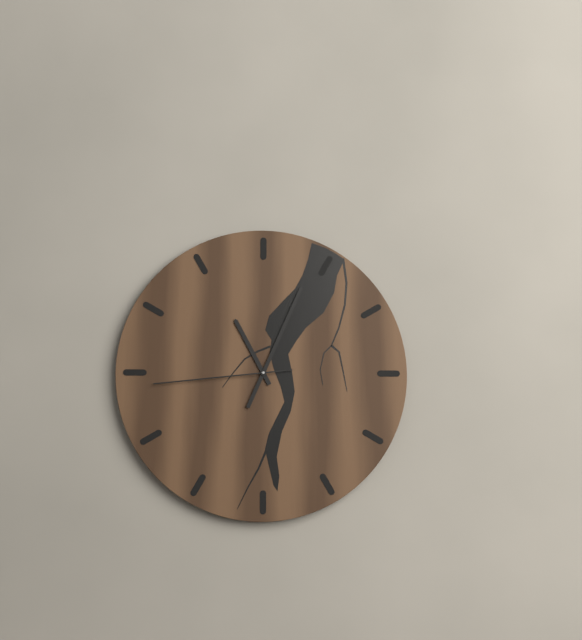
11:04:44
